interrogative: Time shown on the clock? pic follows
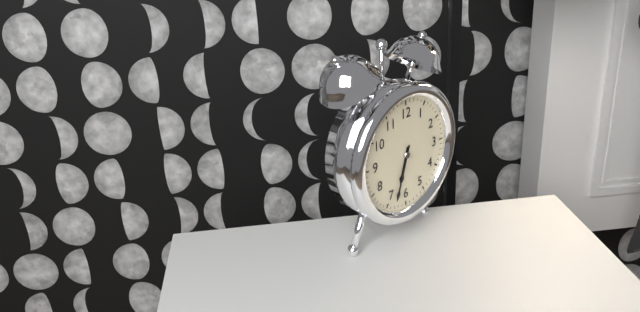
6:33
